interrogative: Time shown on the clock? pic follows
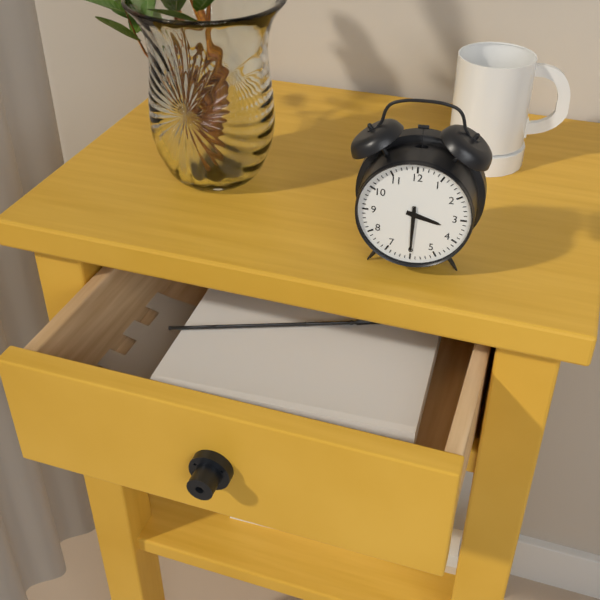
3:30
